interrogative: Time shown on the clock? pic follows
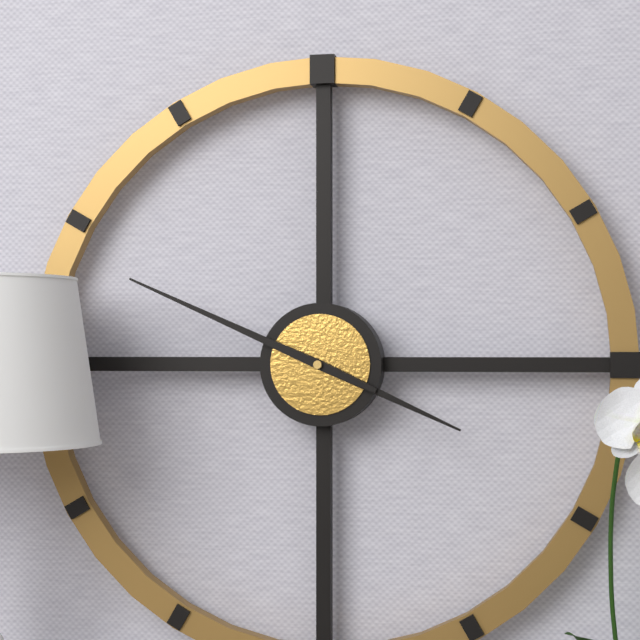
3:49
